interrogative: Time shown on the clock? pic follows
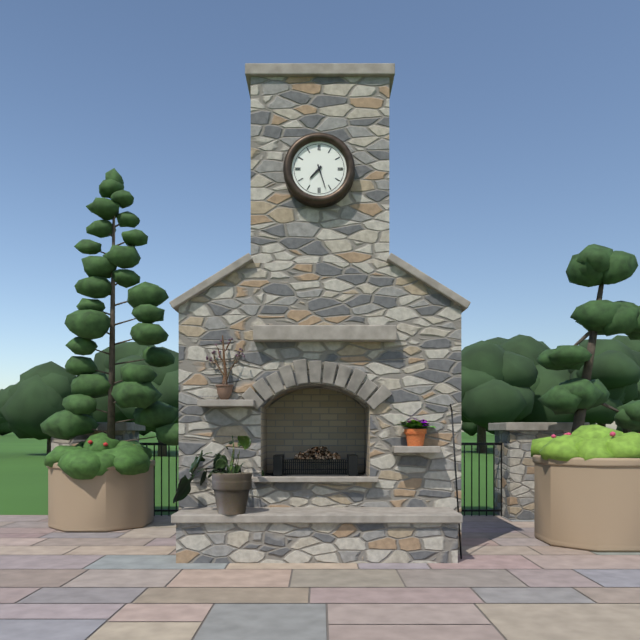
7:27
